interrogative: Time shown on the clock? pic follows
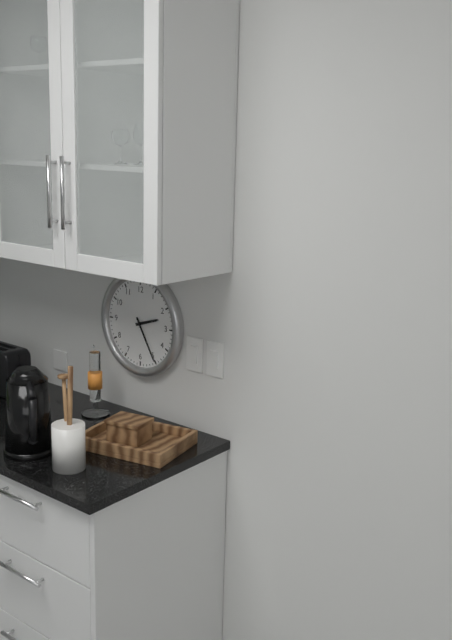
2:25
